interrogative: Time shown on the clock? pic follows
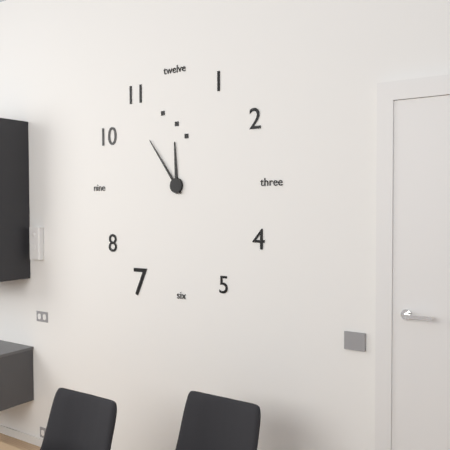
11:54
